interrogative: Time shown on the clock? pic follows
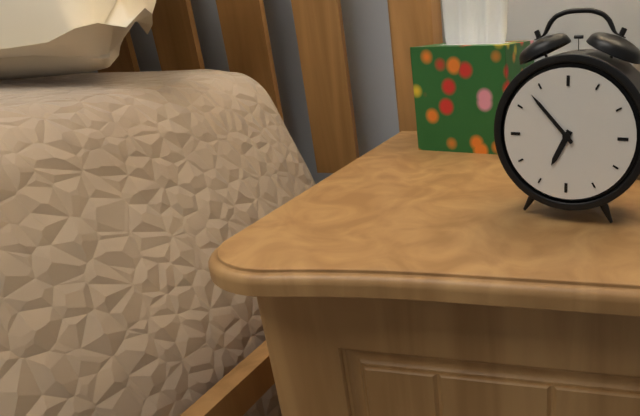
6:53
